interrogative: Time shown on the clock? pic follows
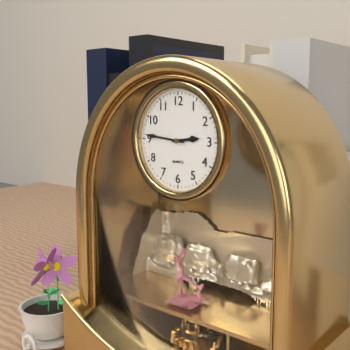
2:46
